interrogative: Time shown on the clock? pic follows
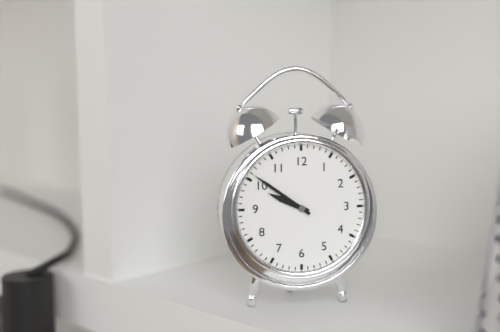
9:51
